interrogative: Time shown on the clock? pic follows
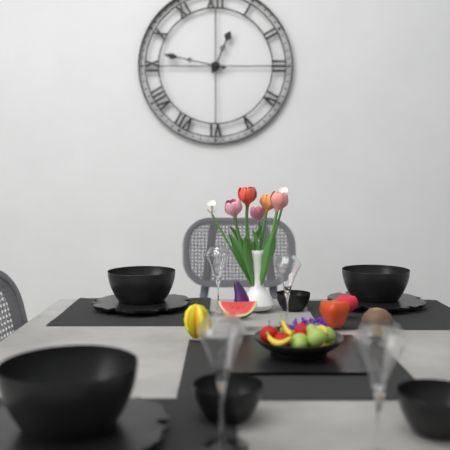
12:47
